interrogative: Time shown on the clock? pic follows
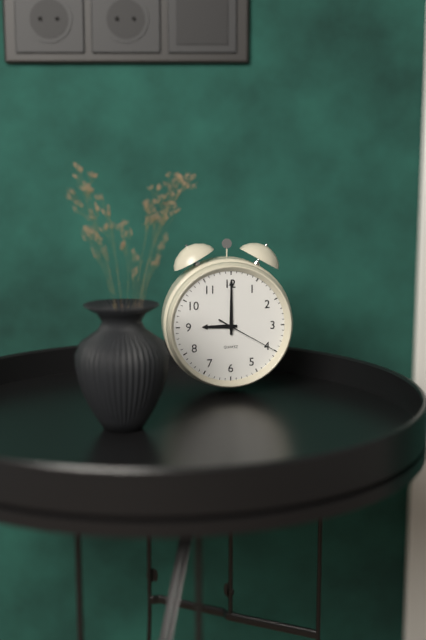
9:00:20
